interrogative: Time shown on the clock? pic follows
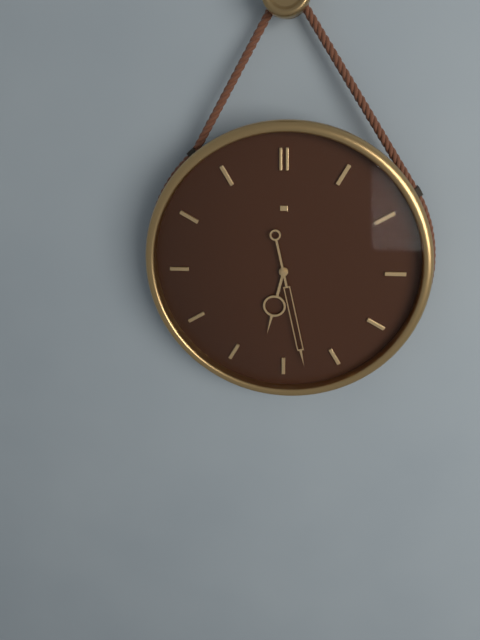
6:28
